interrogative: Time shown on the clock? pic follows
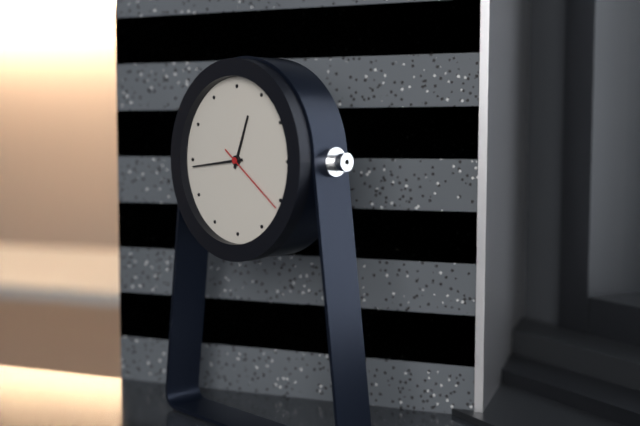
12:44:21
